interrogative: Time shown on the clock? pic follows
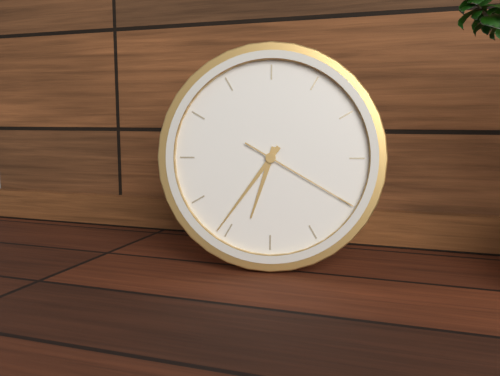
6:36:20
